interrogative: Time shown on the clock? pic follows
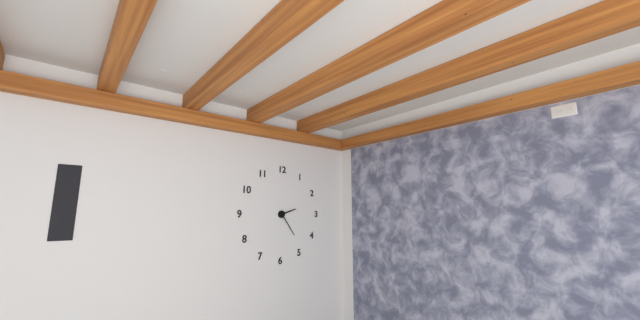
2:24
